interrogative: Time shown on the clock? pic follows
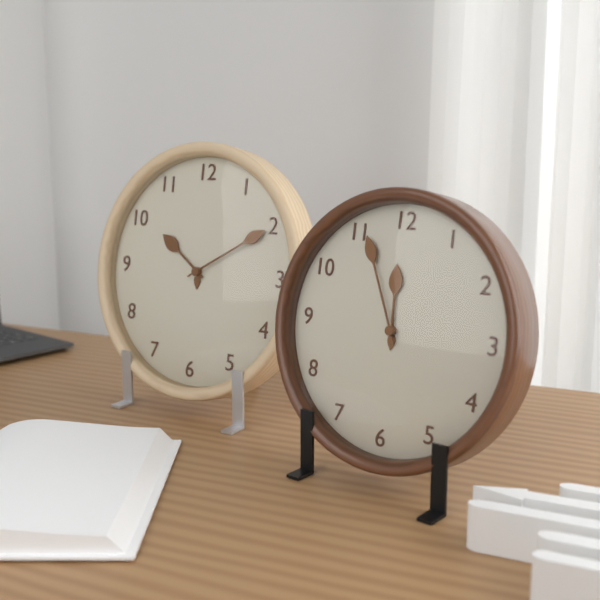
11:56
